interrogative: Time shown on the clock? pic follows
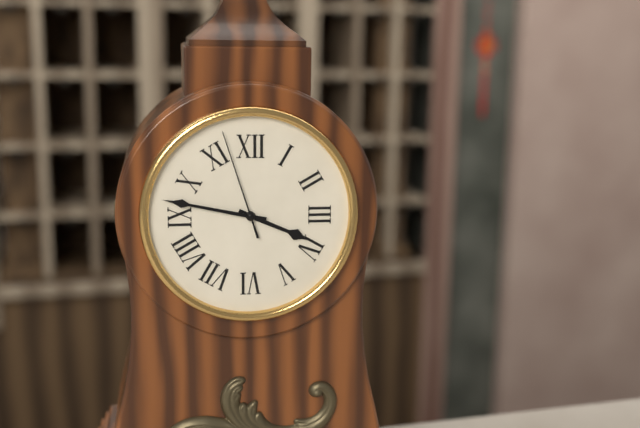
3:47:57
